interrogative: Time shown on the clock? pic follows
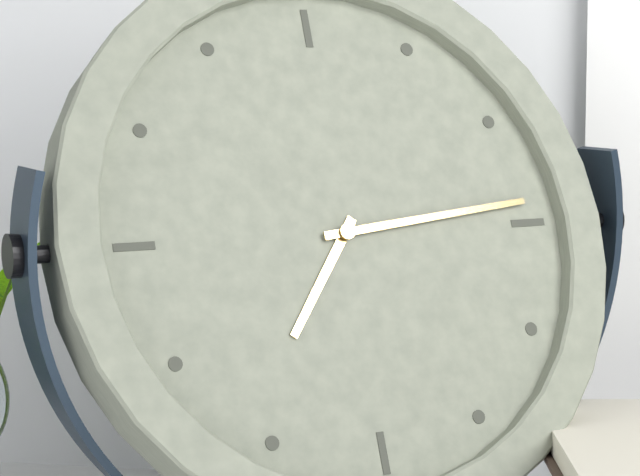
7:14
